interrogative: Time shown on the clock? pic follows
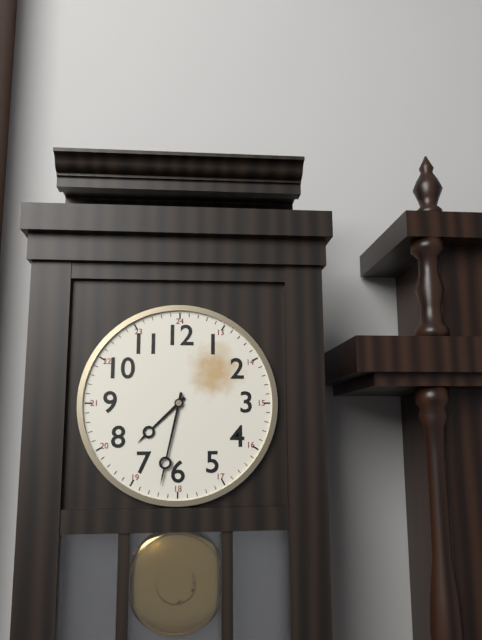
7:32
